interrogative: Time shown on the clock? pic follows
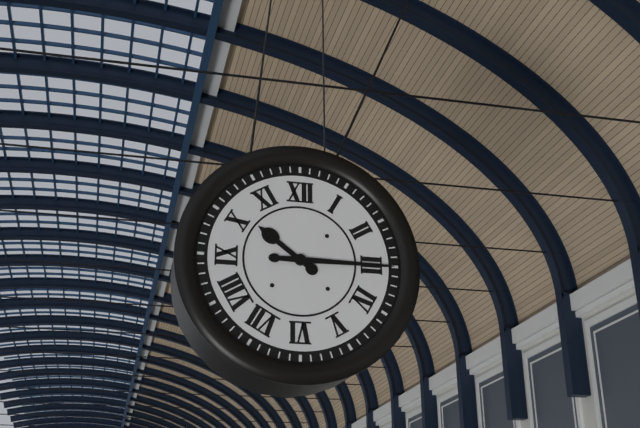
10:15
